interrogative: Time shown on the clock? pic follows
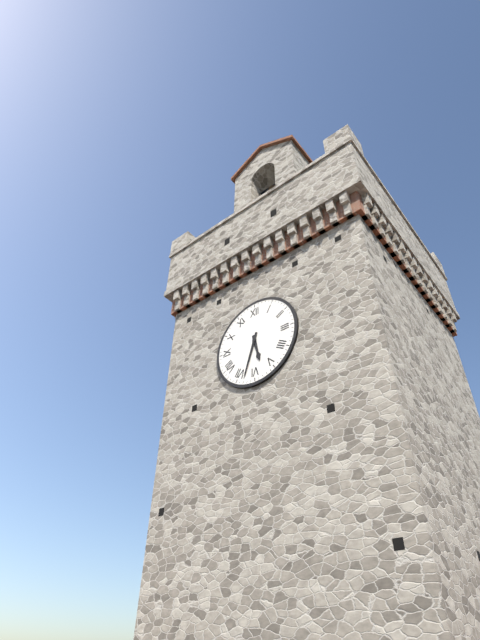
5:33
